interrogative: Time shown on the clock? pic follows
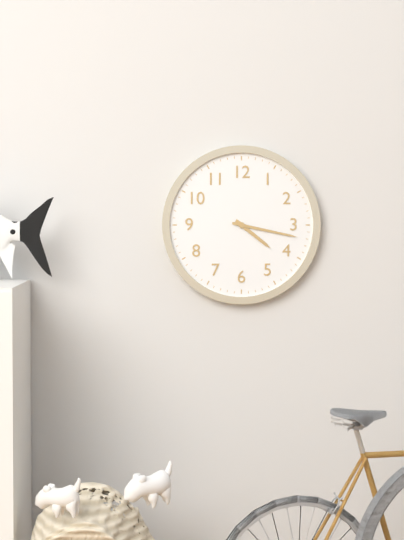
4:17
